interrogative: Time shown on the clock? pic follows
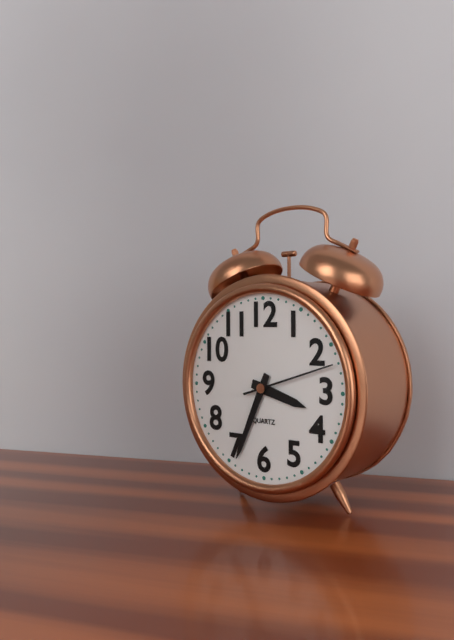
3:34:12
